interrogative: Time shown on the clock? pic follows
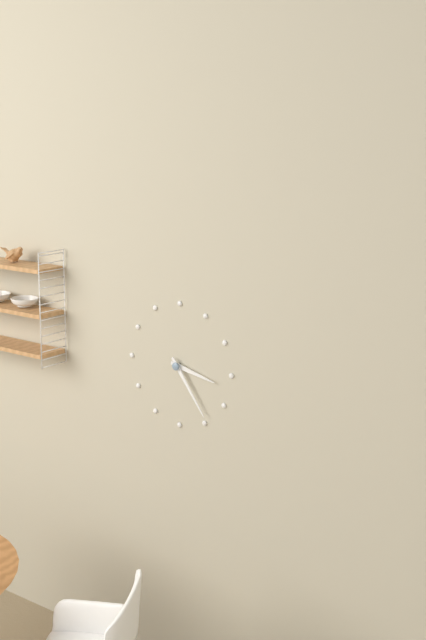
3:24
